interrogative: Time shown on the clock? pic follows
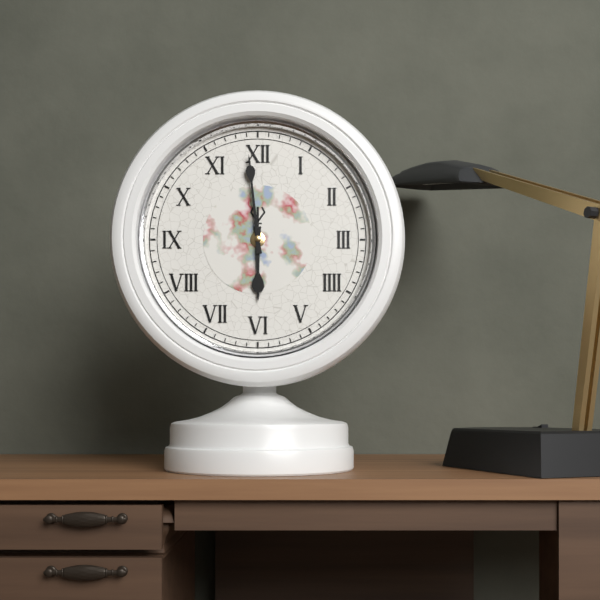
5:59
